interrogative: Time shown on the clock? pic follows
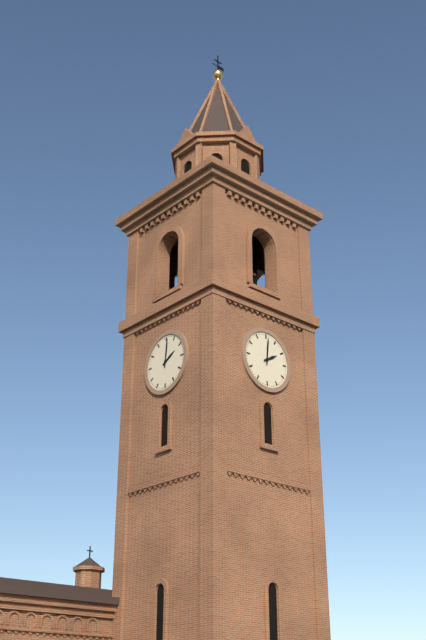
2:01
